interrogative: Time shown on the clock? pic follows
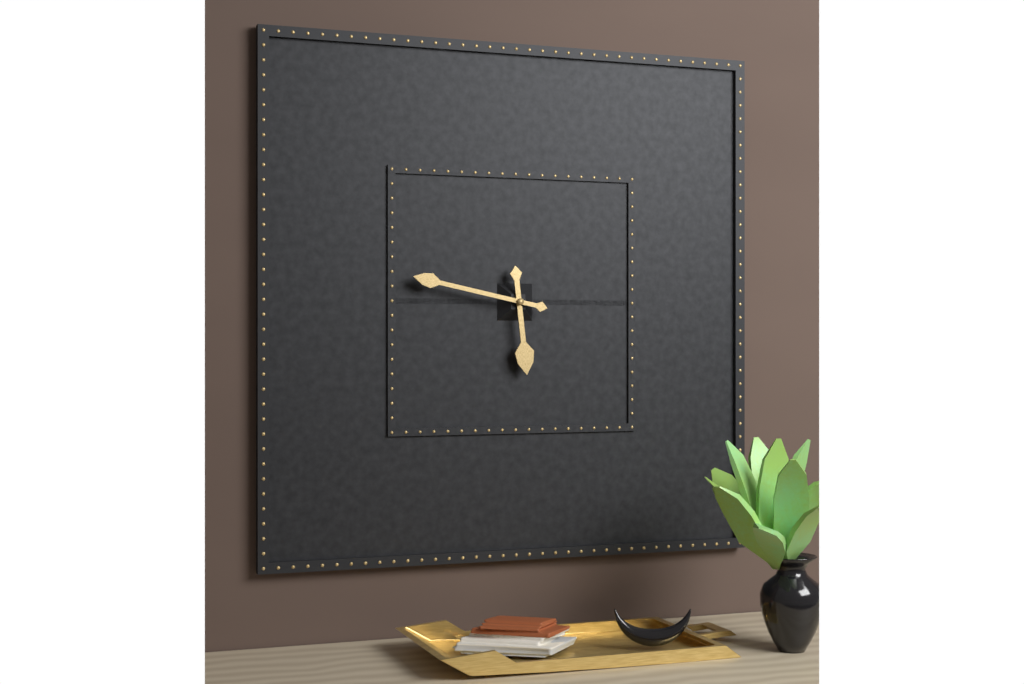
5:47
